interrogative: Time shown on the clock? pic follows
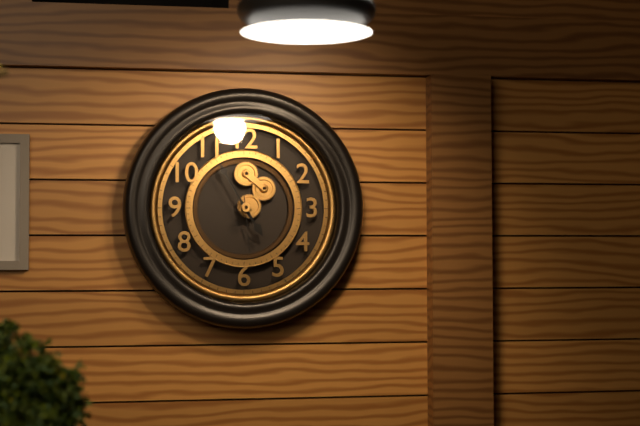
4:55:29
